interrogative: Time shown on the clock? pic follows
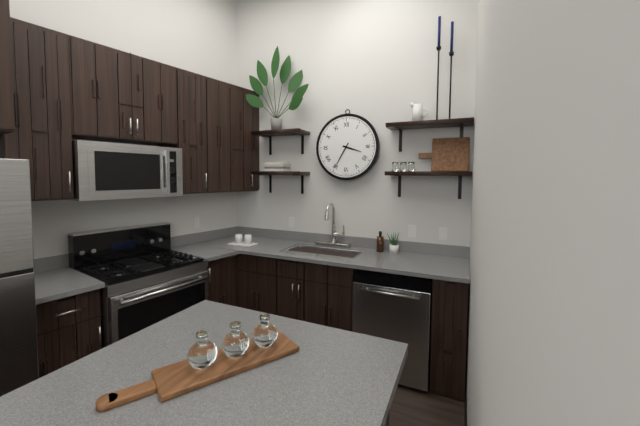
3:35
